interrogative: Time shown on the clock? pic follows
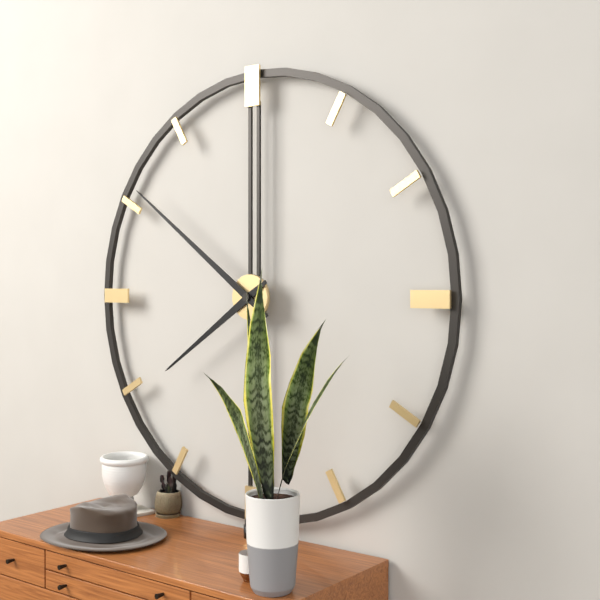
7:51
